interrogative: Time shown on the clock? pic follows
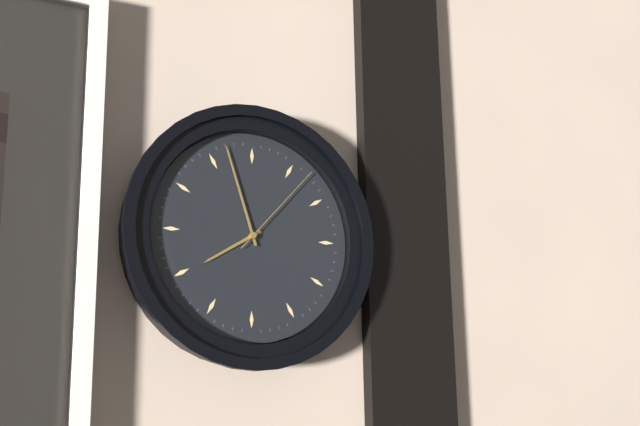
7:57:07
